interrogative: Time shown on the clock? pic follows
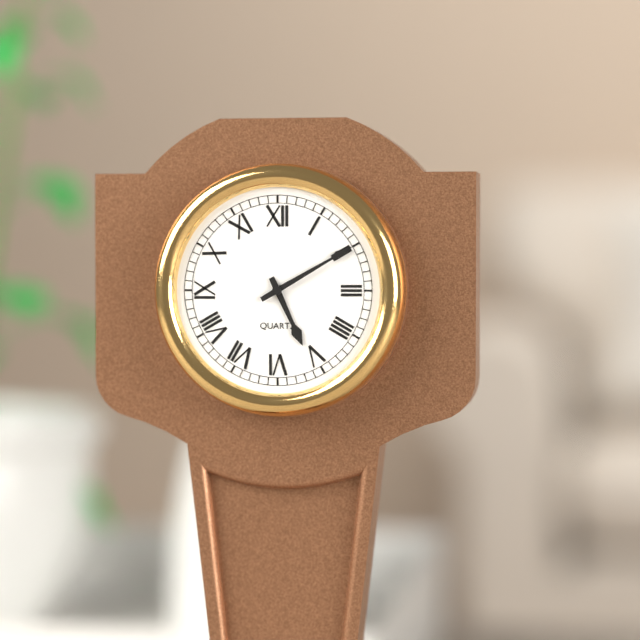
5:10
